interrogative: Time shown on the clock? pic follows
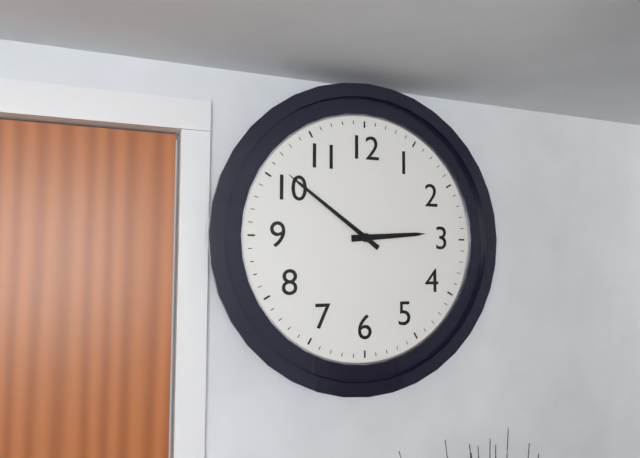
2:51
